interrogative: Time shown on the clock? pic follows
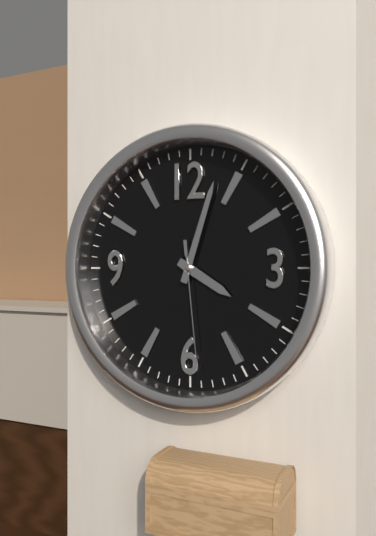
4:03:29
